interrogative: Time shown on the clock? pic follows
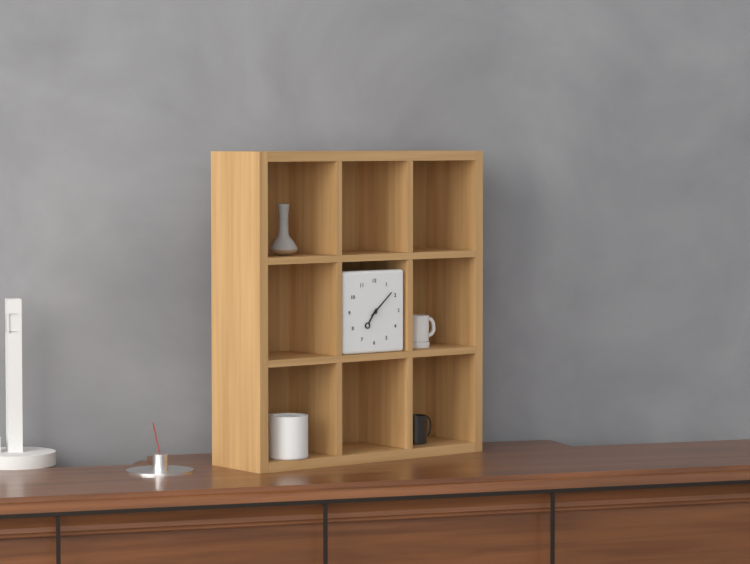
7:08
